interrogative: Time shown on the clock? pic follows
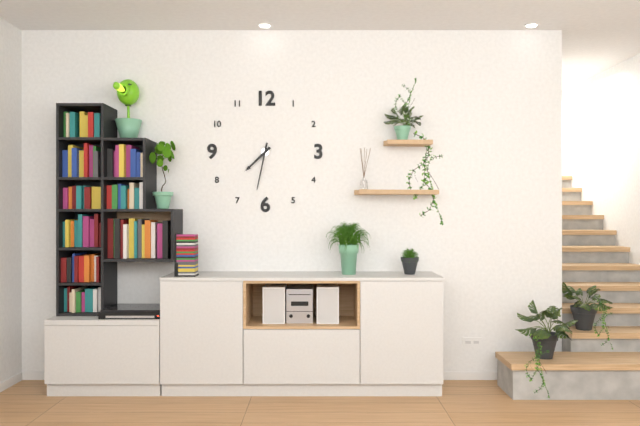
7:32
